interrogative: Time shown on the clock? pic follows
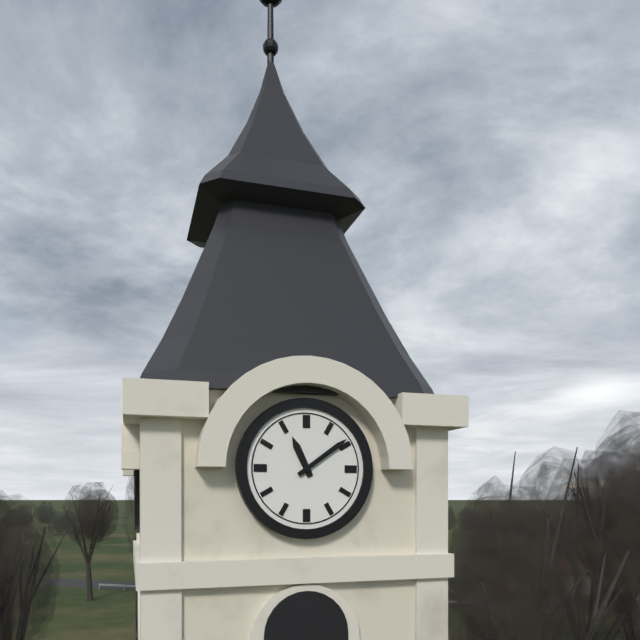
11:09
